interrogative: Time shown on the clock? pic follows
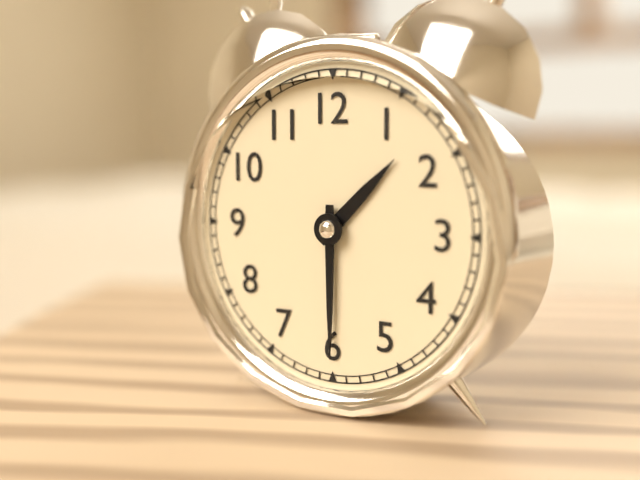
1:30
